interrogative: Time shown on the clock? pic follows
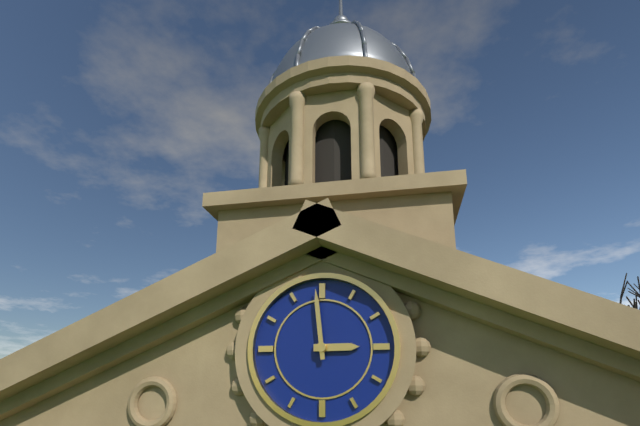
2:59
